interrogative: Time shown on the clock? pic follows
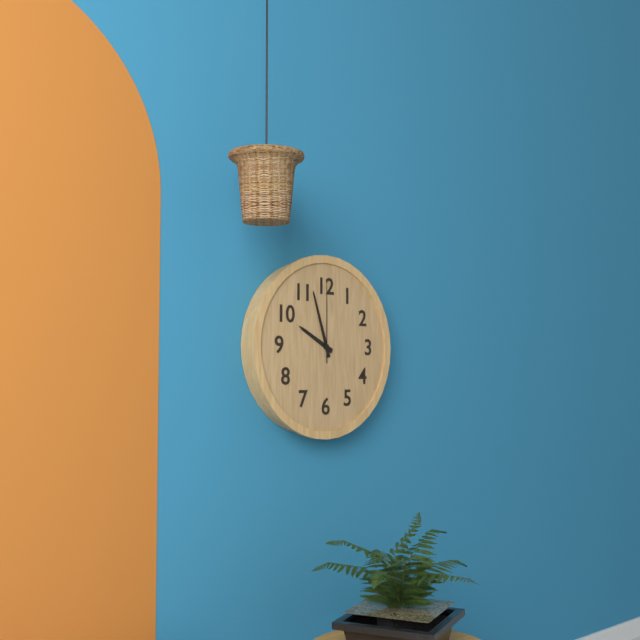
9:57:00
